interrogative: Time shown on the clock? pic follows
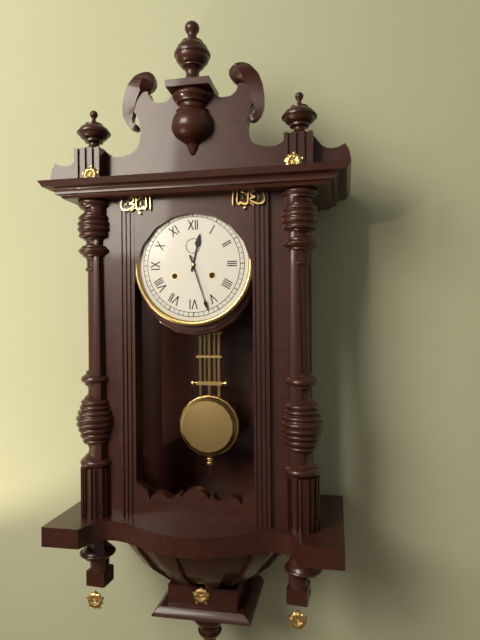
12:27
